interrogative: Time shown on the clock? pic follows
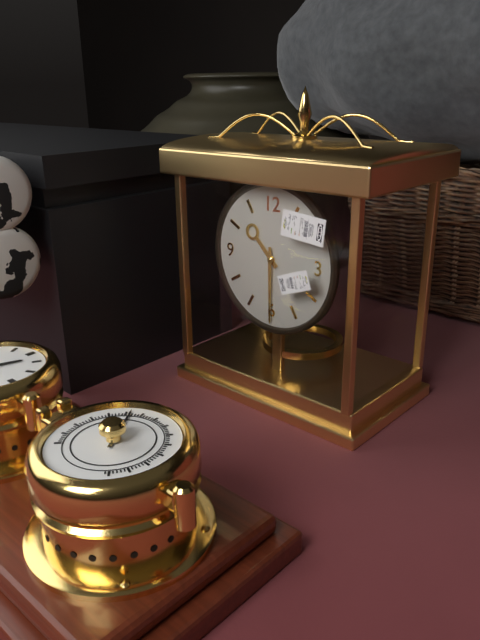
10:30
